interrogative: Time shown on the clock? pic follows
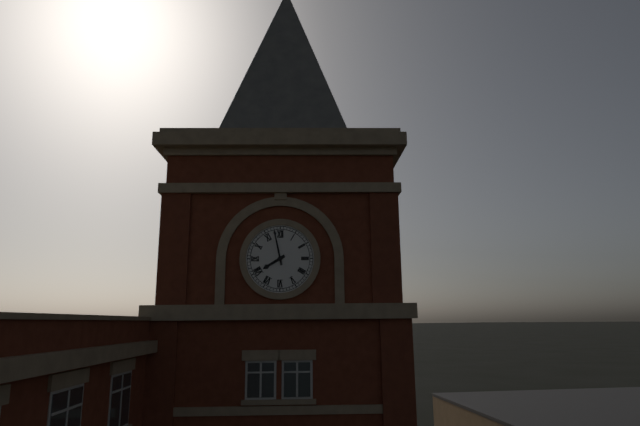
7:58
